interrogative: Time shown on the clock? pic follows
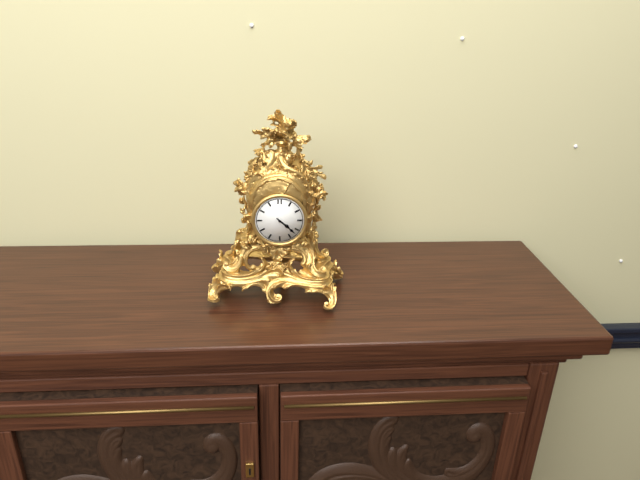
4:22
